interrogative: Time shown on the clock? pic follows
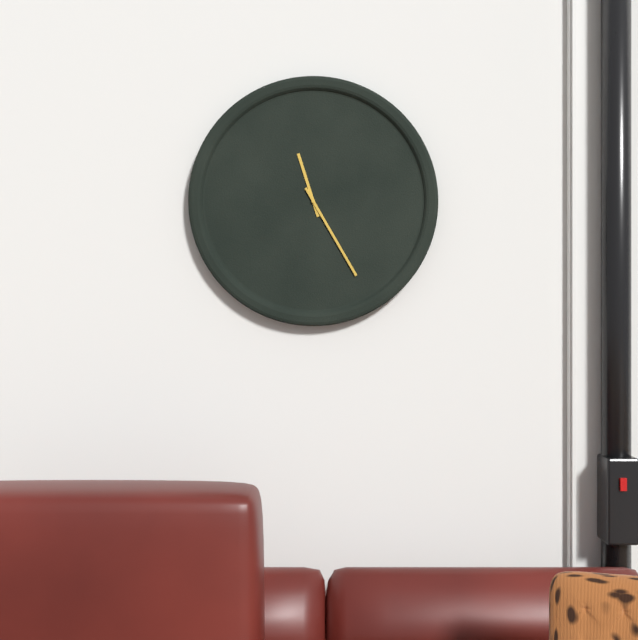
11:25
